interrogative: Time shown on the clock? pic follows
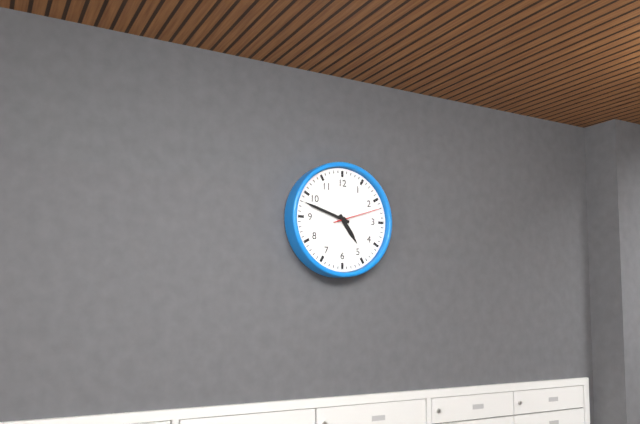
4:48:12
